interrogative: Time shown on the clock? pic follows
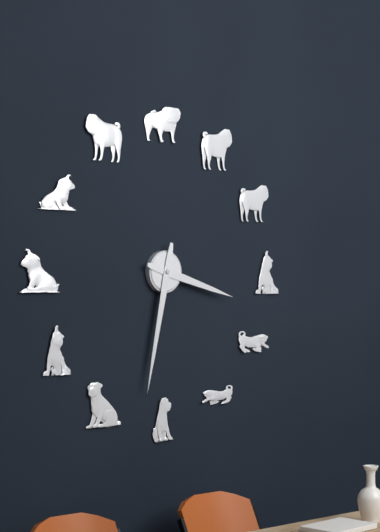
3:32
